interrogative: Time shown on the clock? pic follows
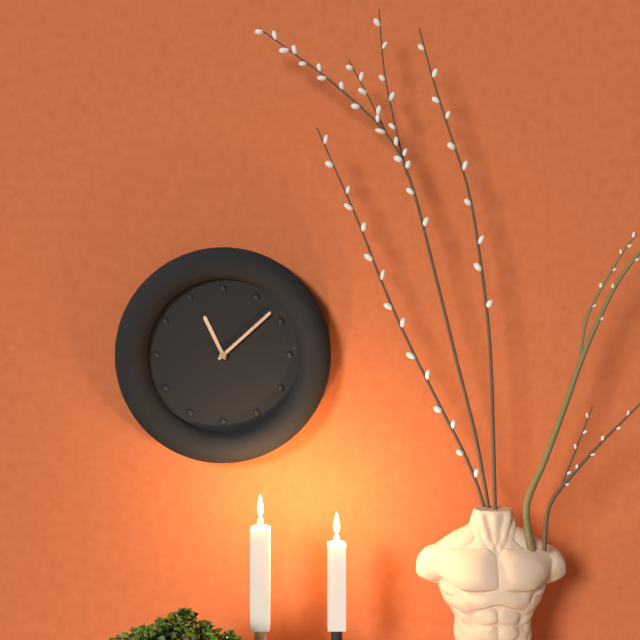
11:08
